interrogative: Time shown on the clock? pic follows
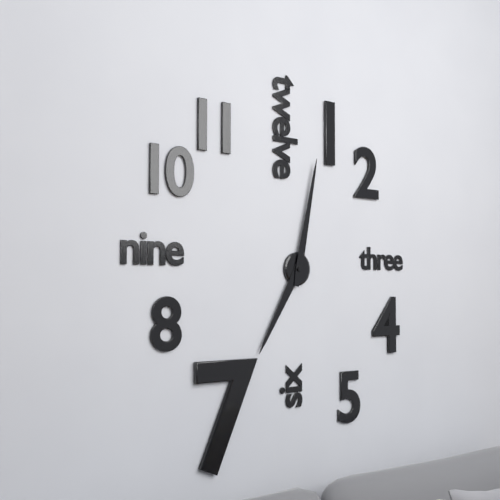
7:02
